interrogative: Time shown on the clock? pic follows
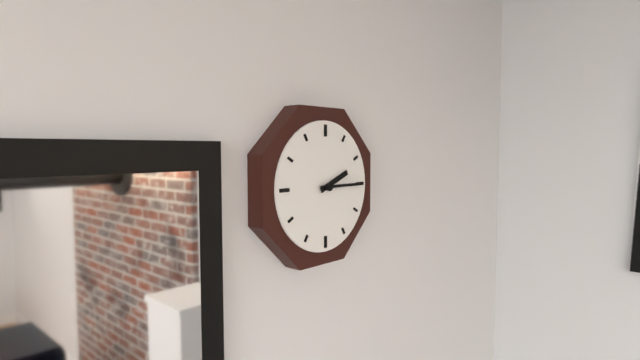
2:15
